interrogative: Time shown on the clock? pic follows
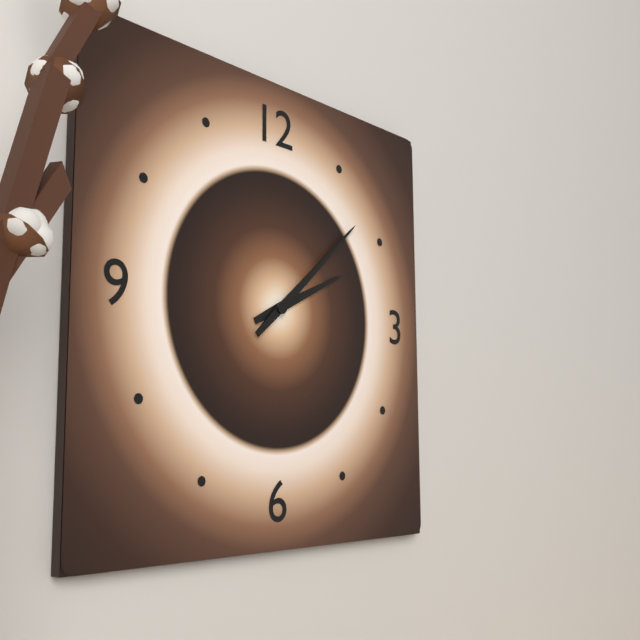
2:08
